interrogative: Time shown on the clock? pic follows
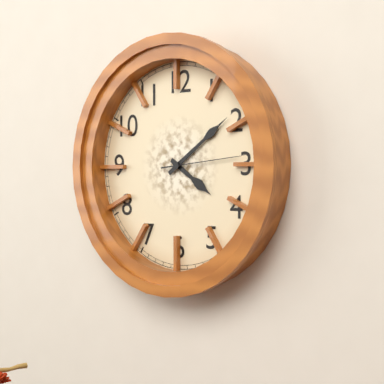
4:09:14
